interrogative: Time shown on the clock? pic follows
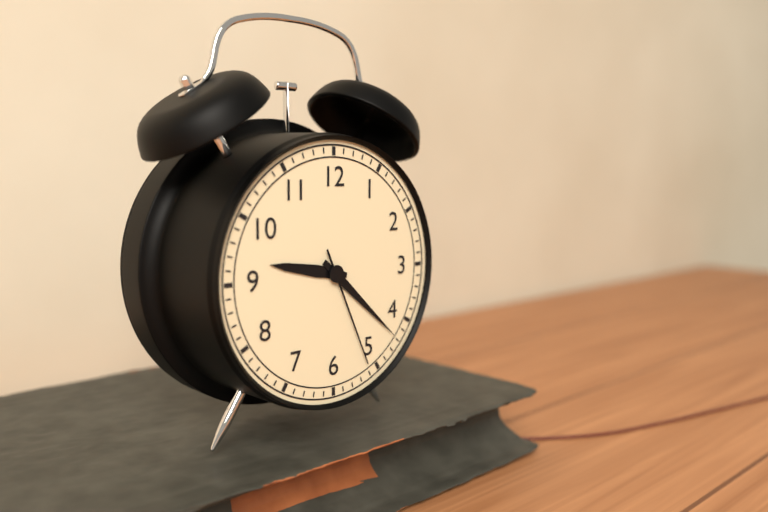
9:22:26
